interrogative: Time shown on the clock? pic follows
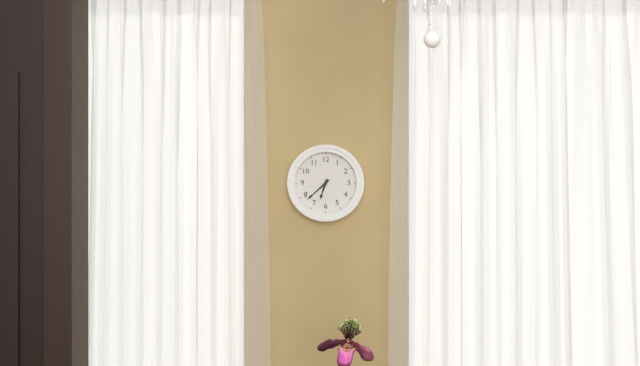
6:38
